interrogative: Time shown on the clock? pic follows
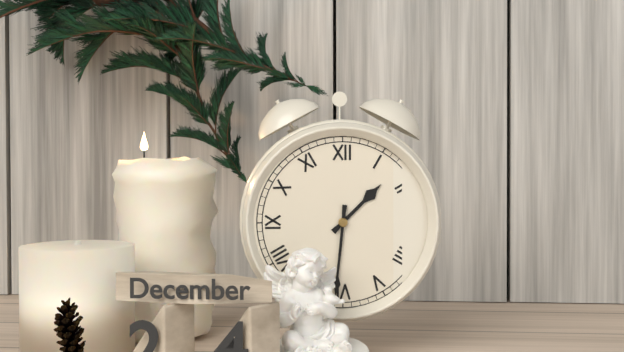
1:31
